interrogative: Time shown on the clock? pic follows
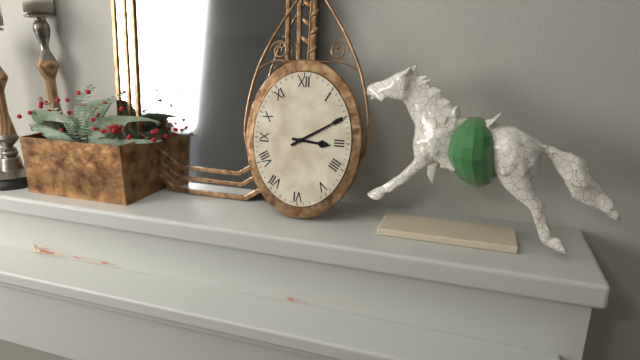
3:10
